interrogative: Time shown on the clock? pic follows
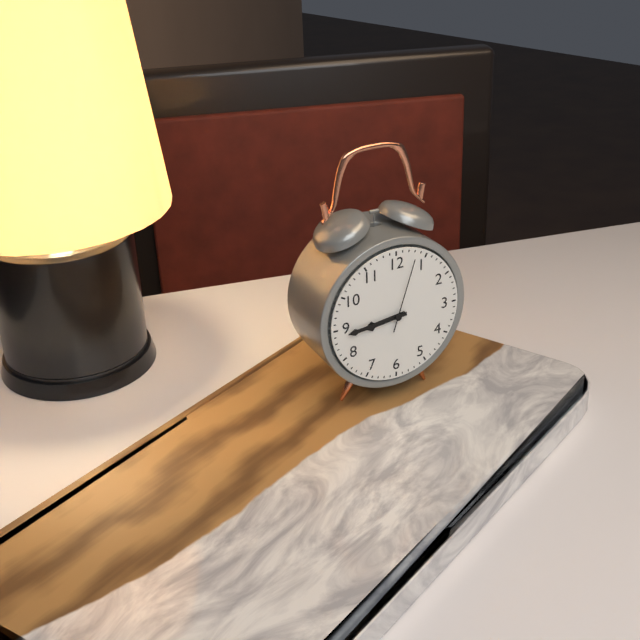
8:44:03
